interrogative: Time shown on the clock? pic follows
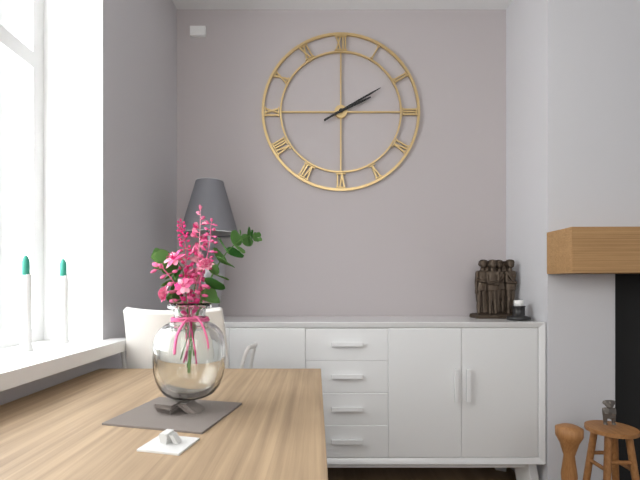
2:10
